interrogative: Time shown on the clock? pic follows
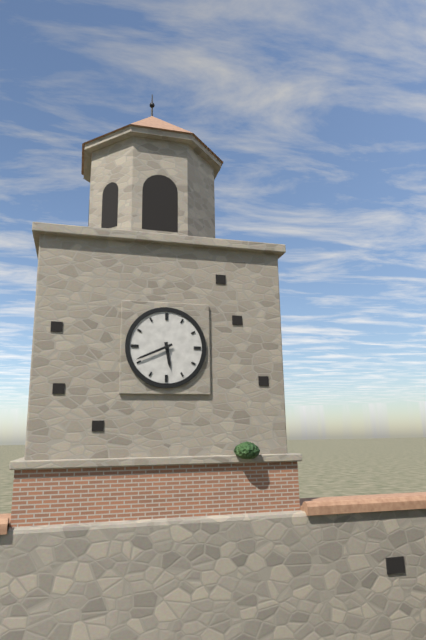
5:41
